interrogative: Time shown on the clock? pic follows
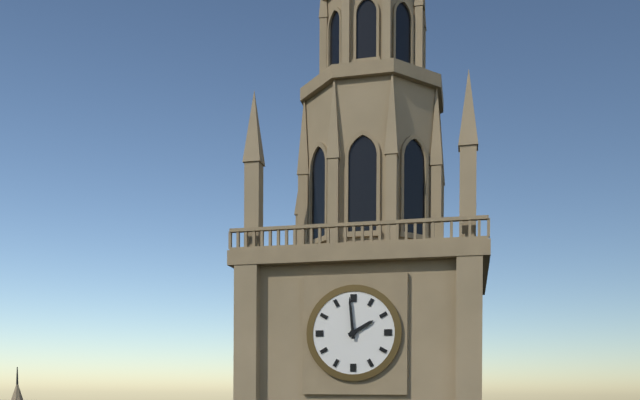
1:59
